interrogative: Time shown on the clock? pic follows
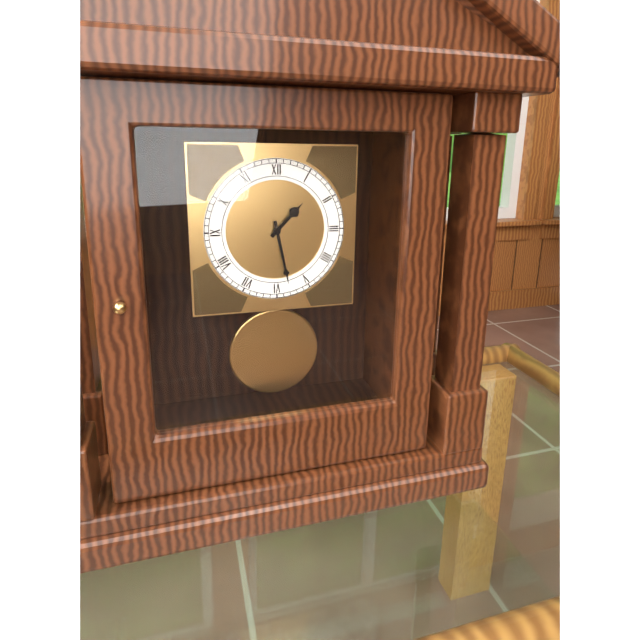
1:28
